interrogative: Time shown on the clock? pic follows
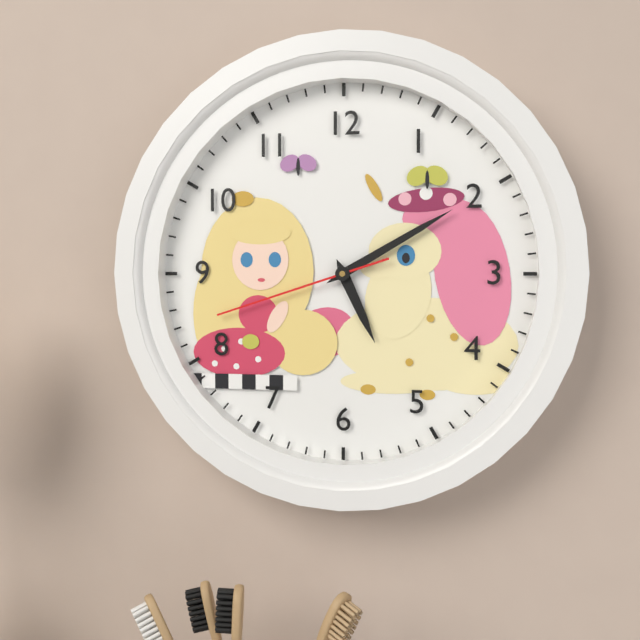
5:10:42
